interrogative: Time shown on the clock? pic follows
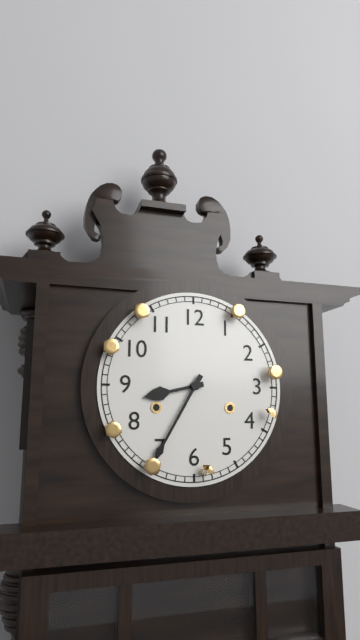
8:35
